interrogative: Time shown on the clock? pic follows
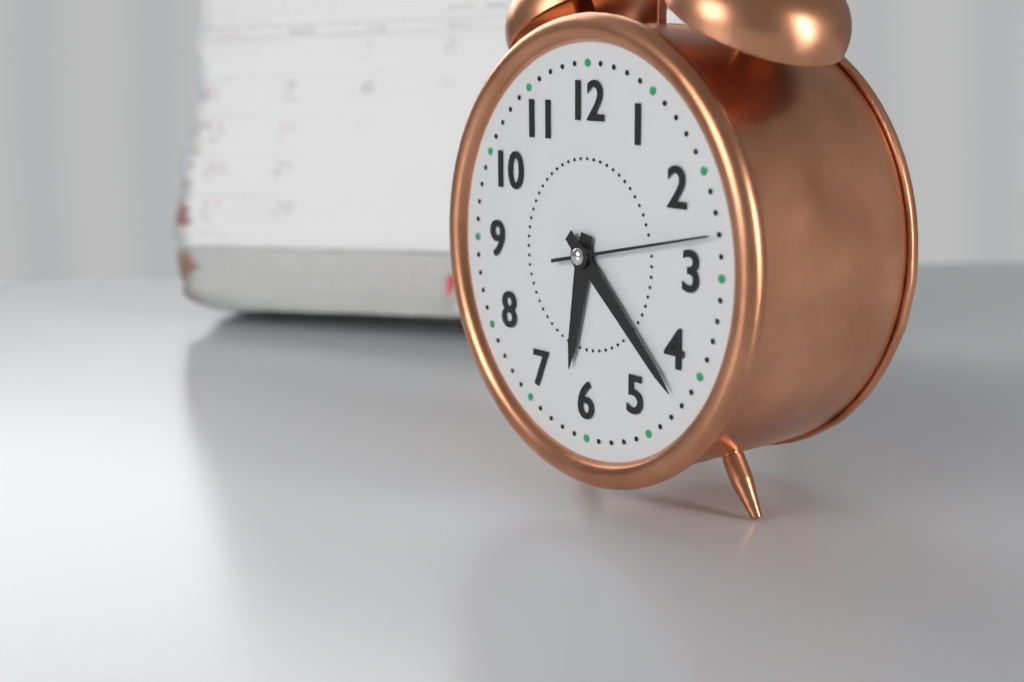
6:22:13
